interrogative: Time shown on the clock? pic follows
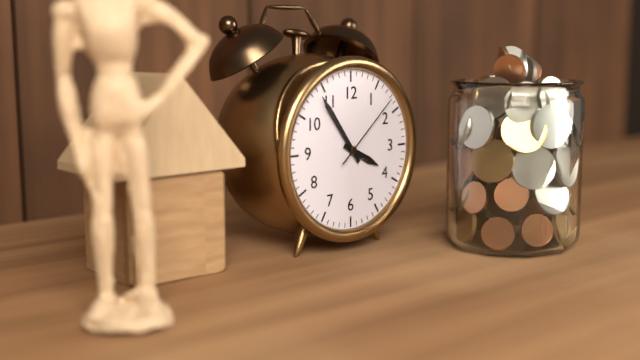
3:54:08
